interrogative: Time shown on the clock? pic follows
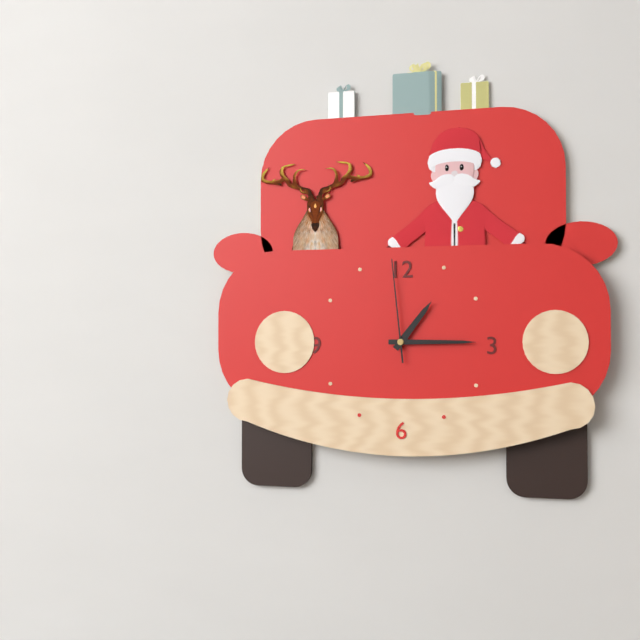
1:15:59
